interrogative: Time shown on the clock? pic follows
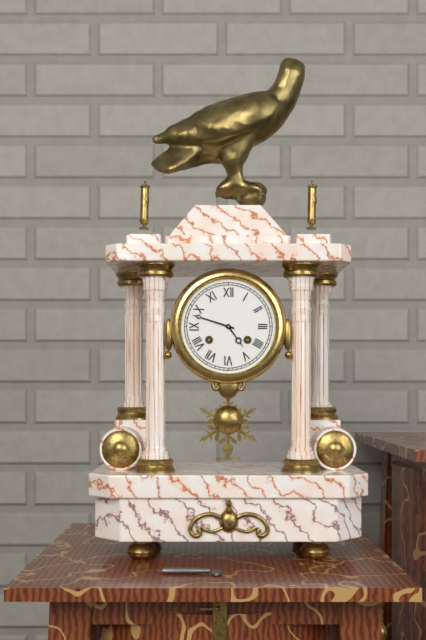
4:48
